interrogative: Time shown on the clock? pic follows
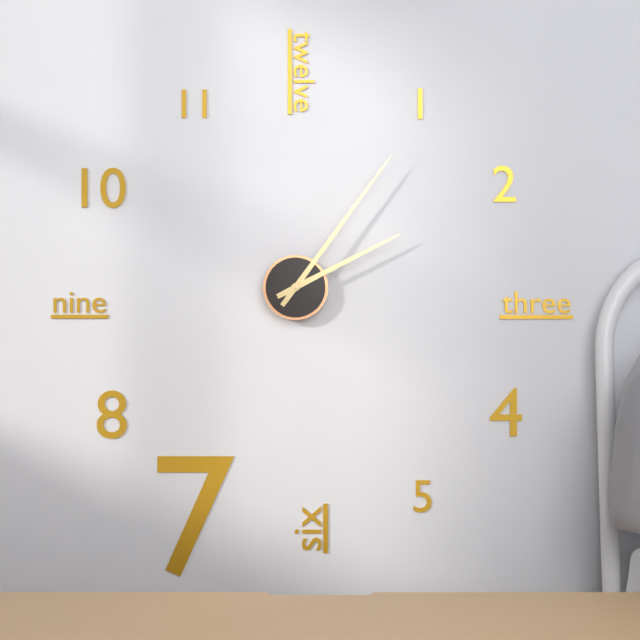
2:06
